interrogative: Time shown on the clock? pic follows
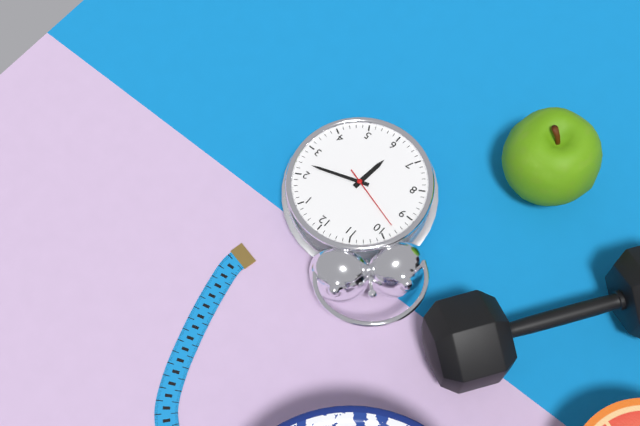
6:12:48
